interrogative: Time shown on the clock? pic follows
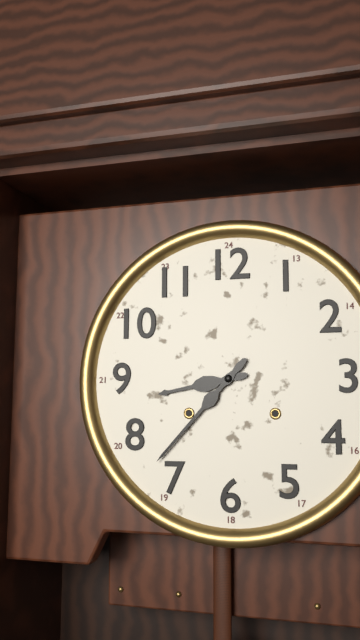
8:37
